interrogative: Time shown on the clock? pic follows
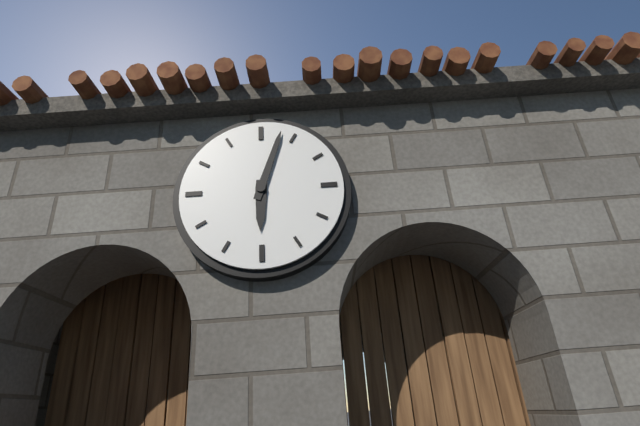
6:03
